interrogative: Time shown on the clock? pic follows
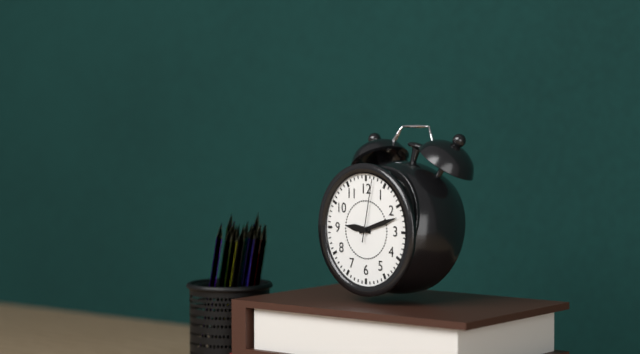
9:12:02
